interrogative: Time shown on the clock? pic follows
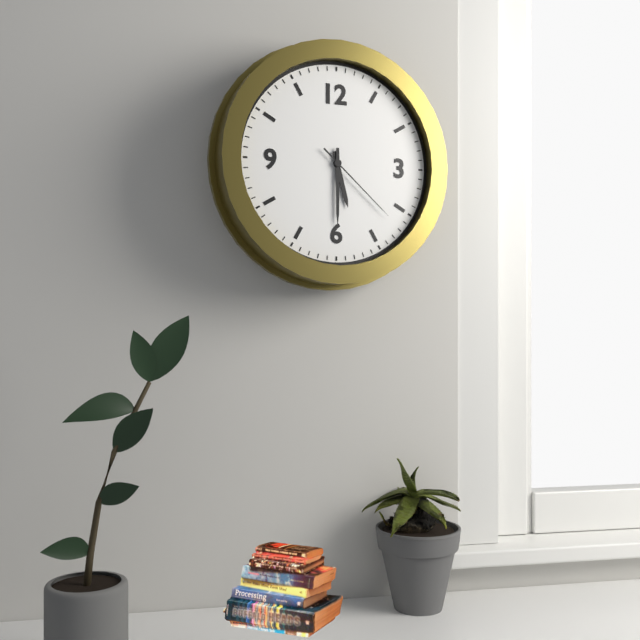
5:30:22
